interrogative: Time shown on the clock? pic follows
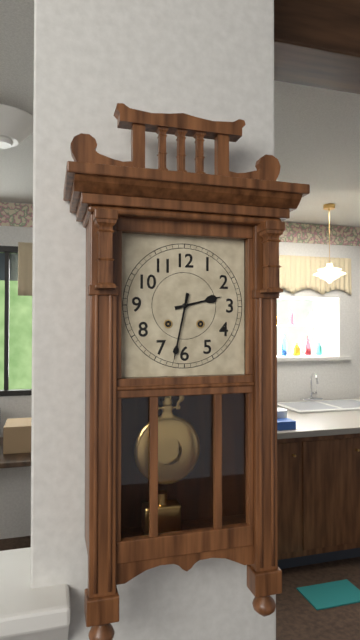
2:32
